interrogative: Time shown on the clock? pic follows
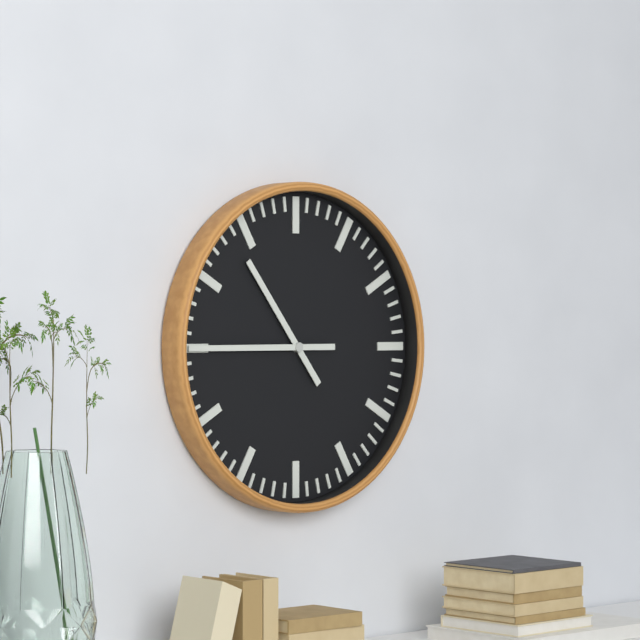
10:45
